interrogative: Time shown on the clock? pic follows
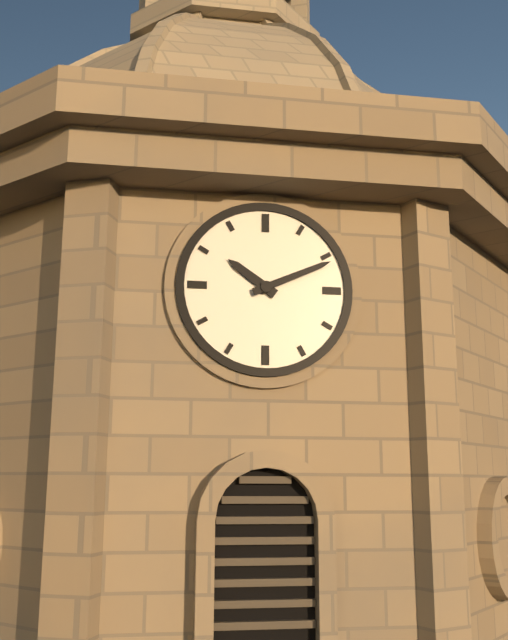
10:11
